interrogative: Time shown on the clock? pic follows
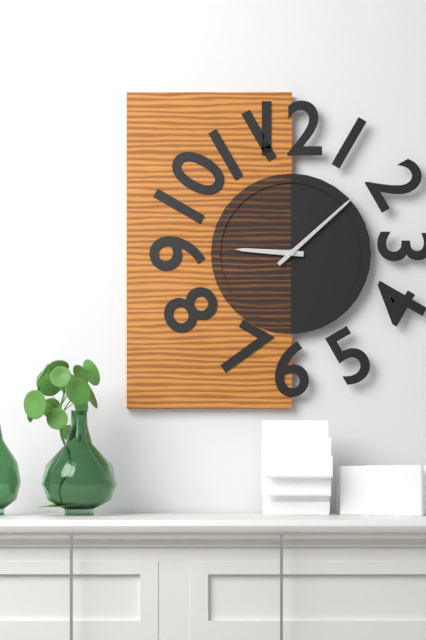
9:08
